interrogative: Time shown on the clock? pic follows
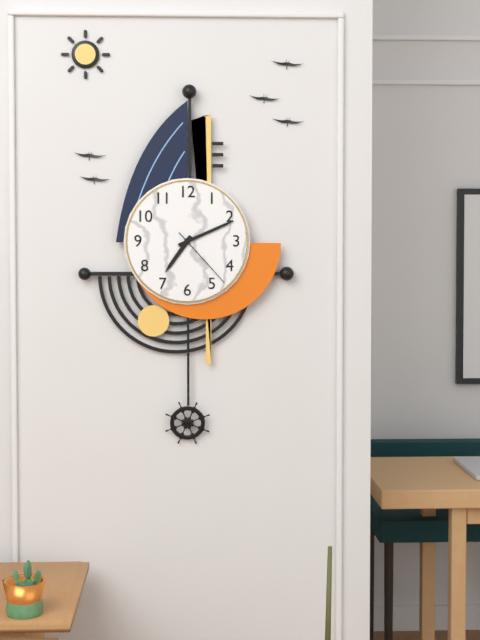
7:11:23
